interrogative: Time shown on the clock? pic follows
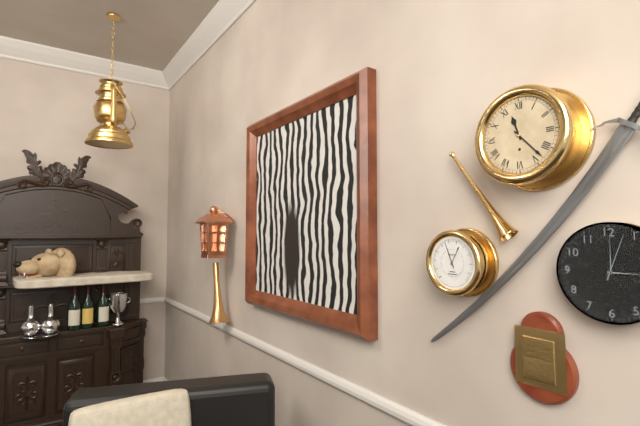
11:23
